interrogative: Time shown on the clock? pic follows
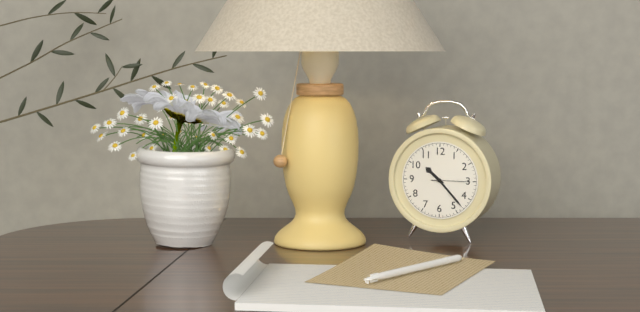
10:23
